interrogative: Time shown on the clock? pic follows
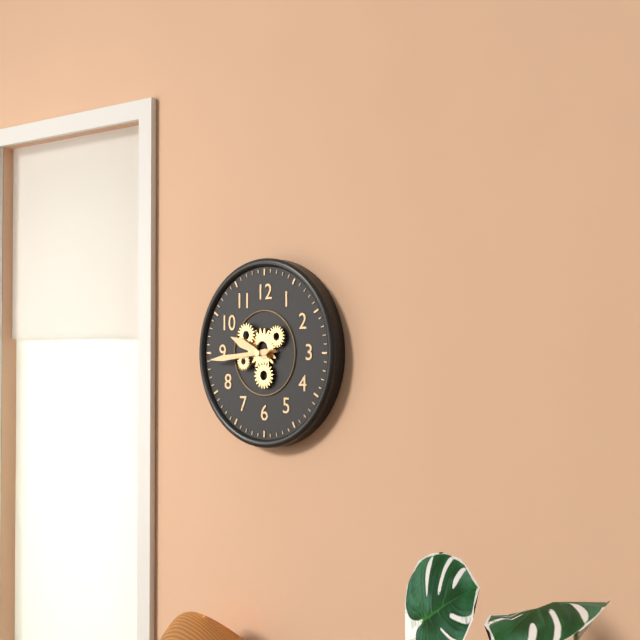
9:44
